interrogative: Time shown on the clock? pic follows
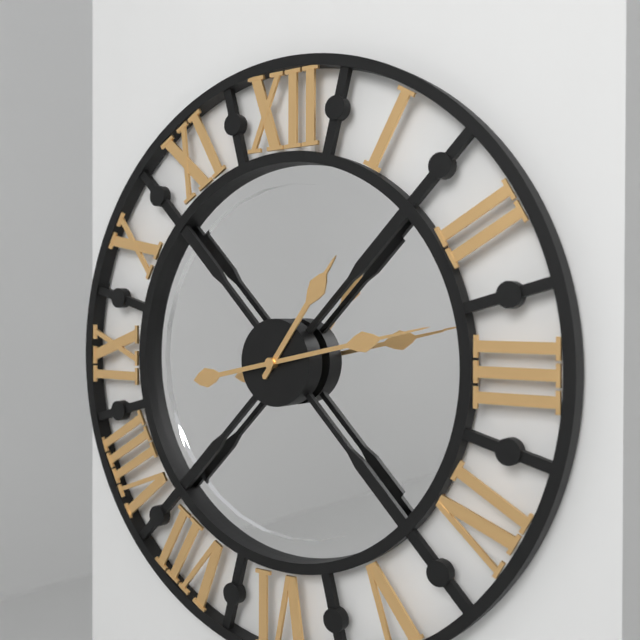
1:13
